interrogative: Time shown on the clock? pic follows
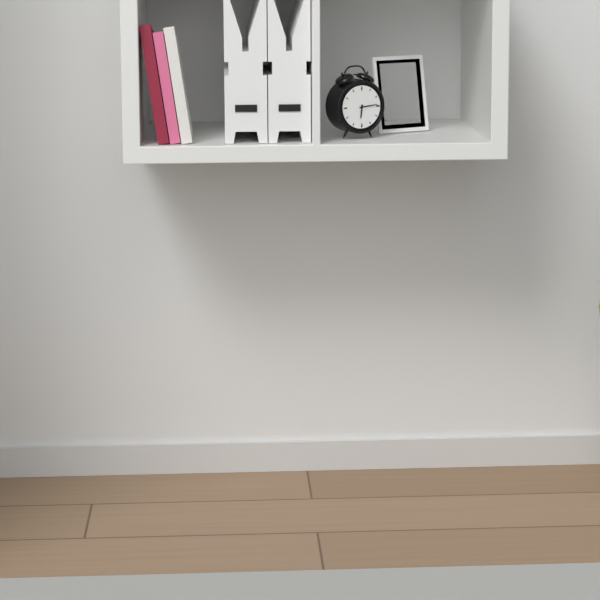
6:14
